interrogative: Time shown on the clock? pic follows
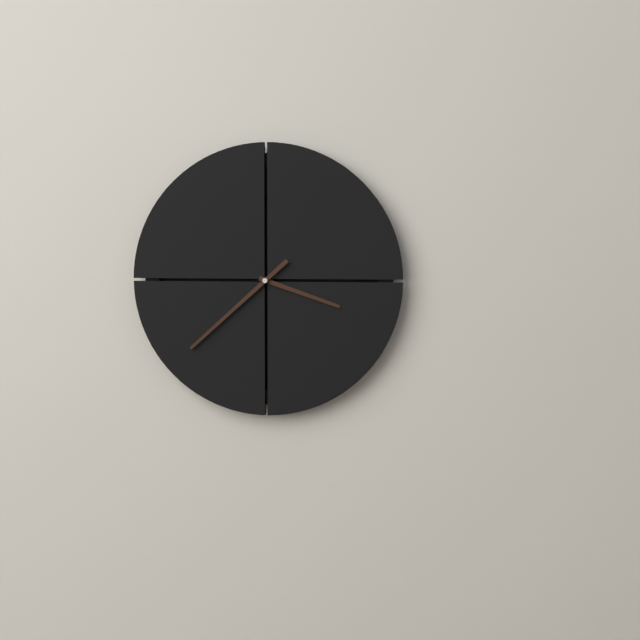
3:38
